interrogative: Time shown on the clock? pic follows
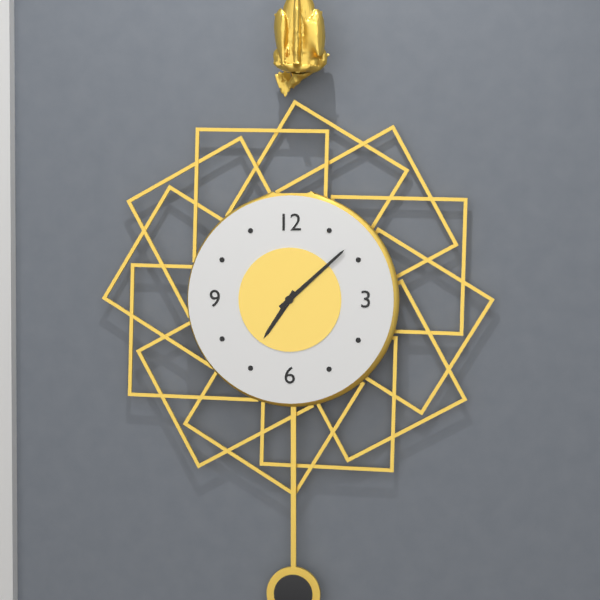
7:08
